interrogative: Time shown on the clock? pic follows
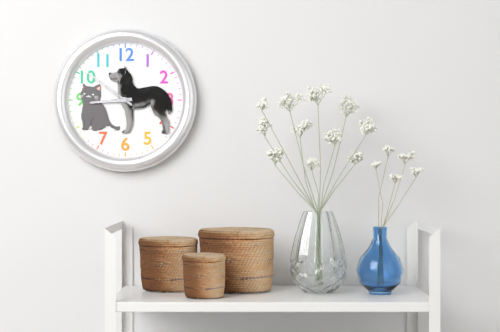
8:51
